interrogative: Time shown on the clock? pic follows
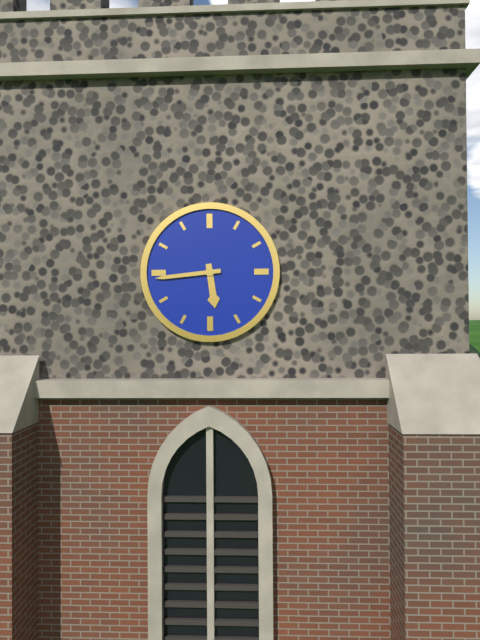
5:44
